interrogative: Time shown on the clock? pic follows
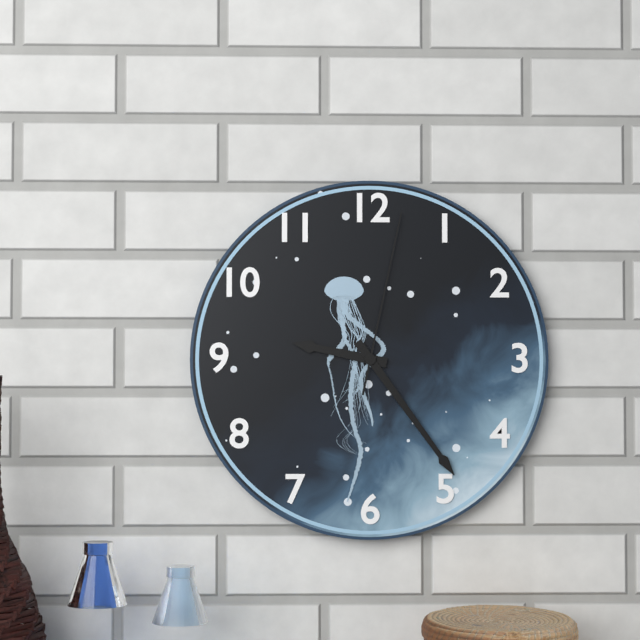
9:24:02
